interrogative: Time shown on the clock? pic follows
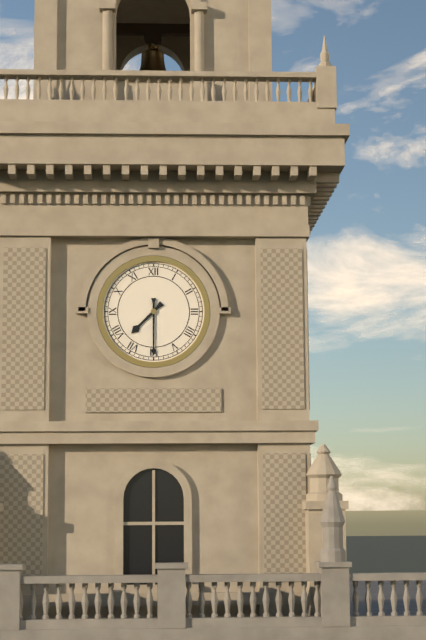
7:30
